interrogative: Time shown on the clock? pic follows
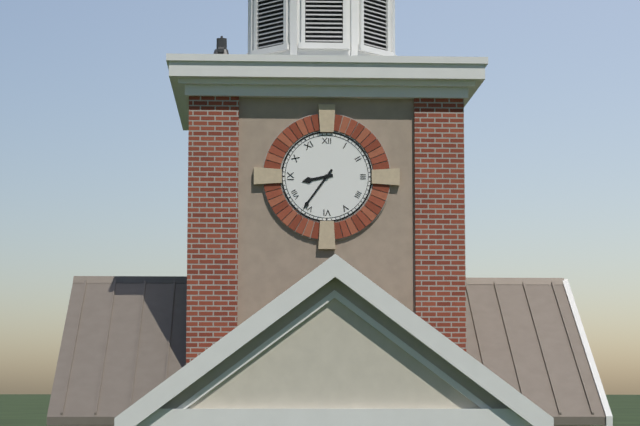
8:36
